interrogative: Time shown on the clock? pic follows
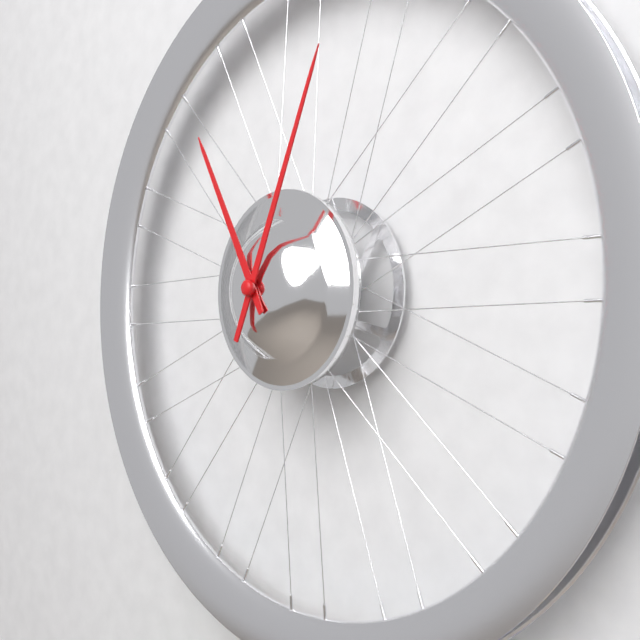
11:04
